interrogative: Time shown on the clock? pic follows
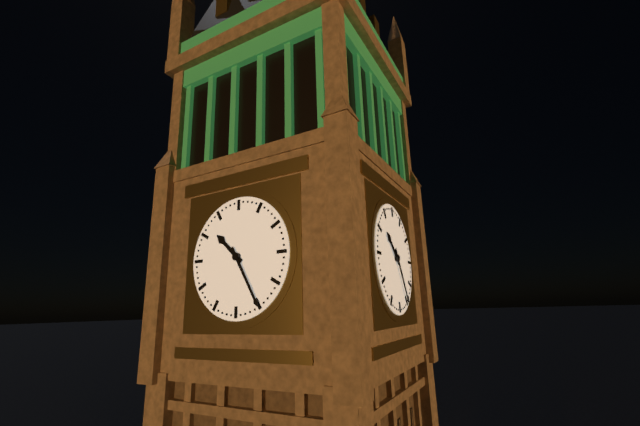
10:25
